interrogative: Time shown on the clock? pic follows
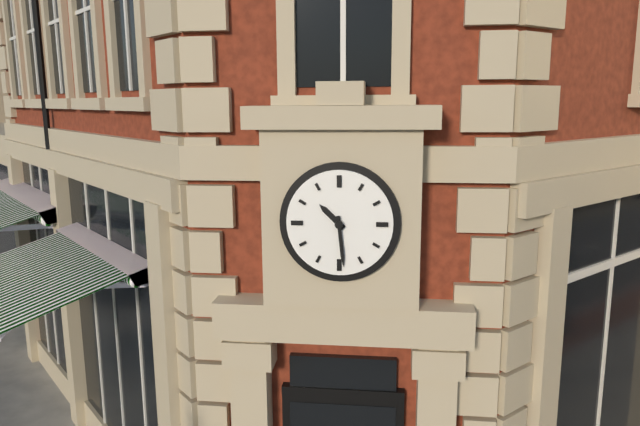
10:29
